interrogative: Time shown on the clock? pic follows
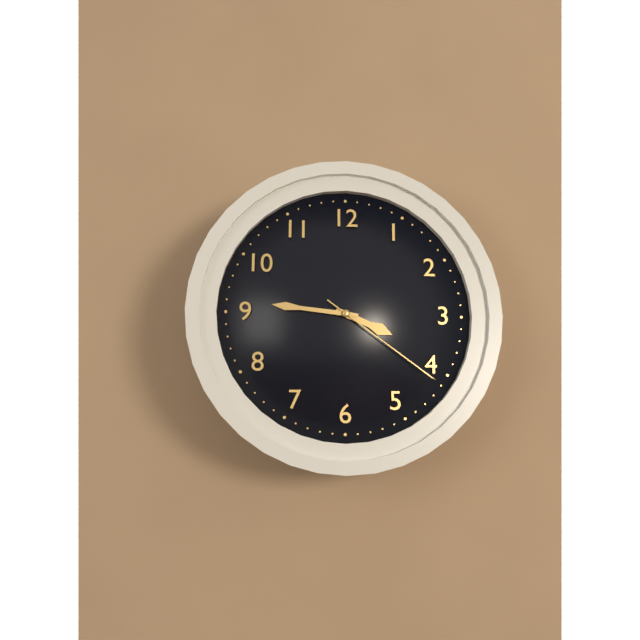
3:46:21
